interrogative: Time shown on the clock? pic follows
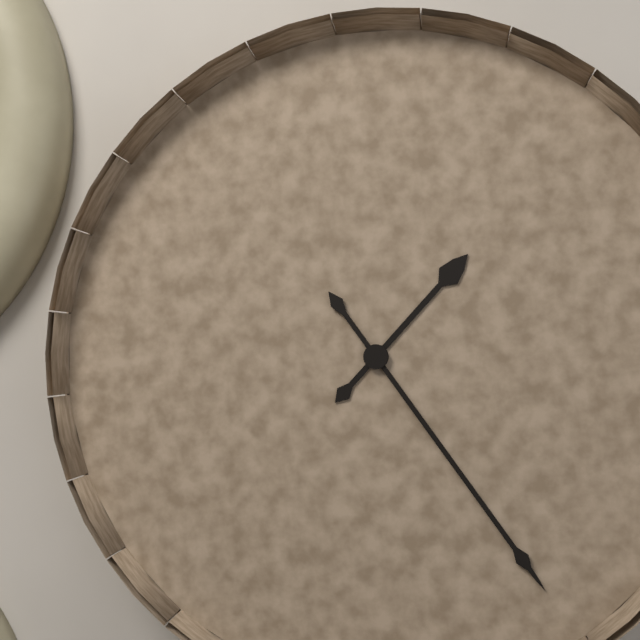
1:24
